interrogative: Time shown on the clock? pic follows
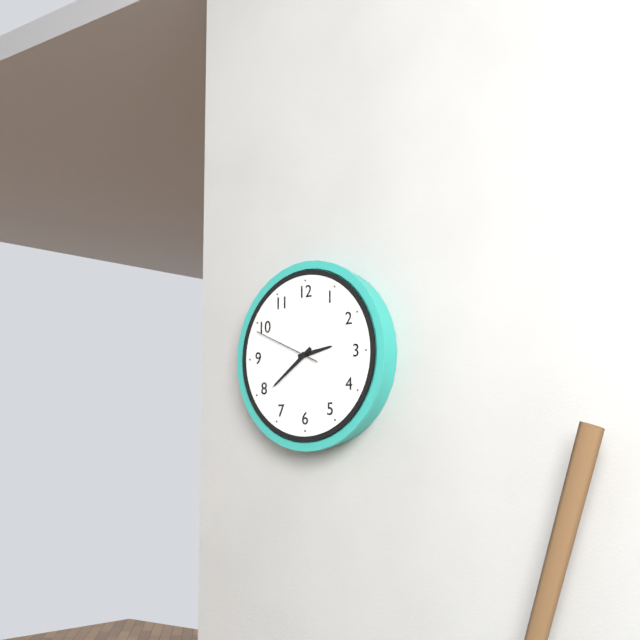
2:39:49
